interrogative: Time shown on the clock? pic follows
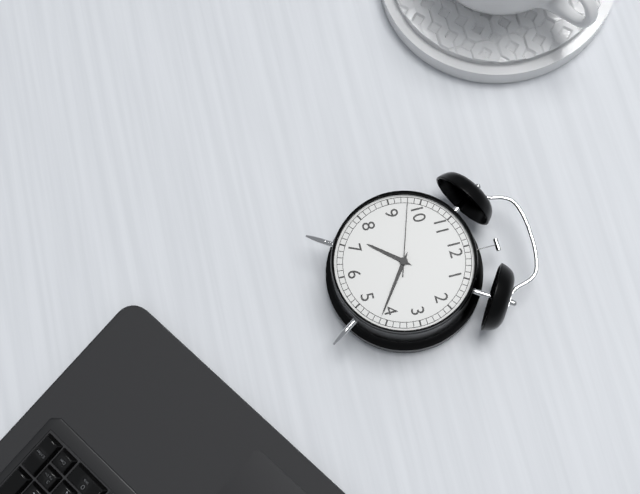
7:21:48
